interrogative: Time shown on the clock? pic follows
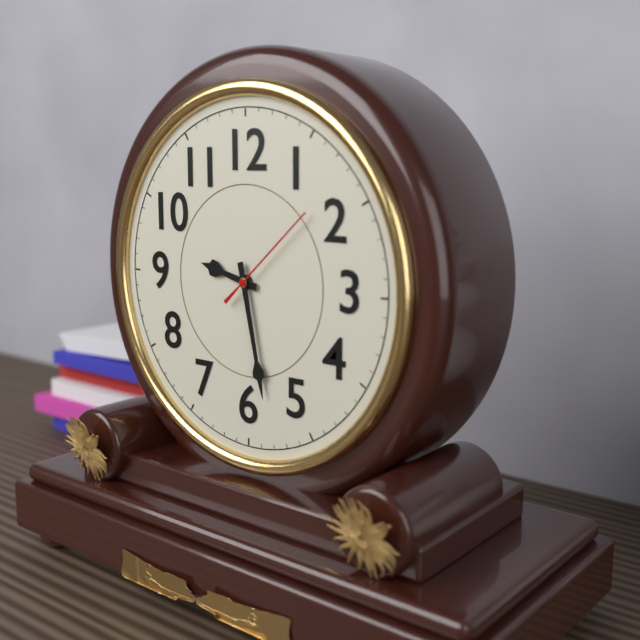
9:28:08
